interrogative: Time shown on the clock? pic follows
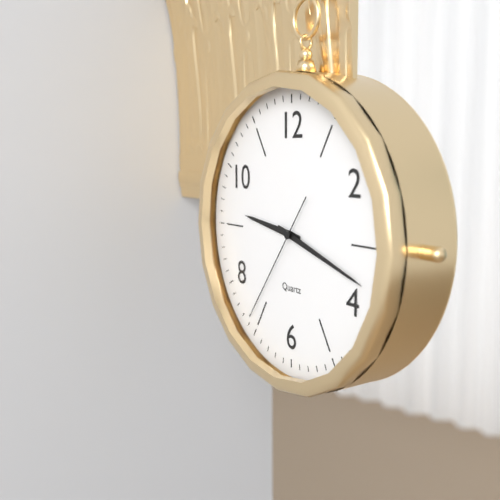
9:18:36
